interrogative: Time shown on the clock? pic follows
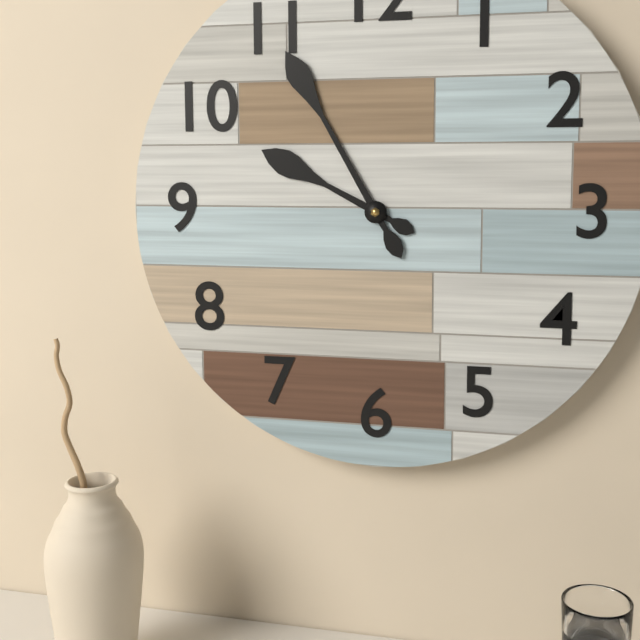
9:55
